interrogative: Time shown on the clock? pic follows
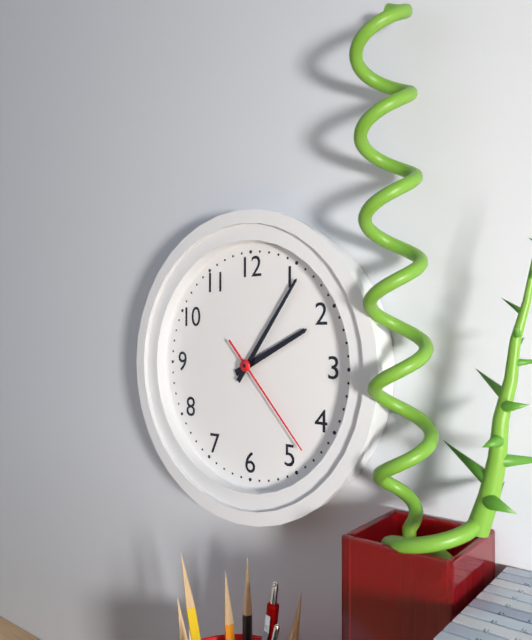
2:06:23
